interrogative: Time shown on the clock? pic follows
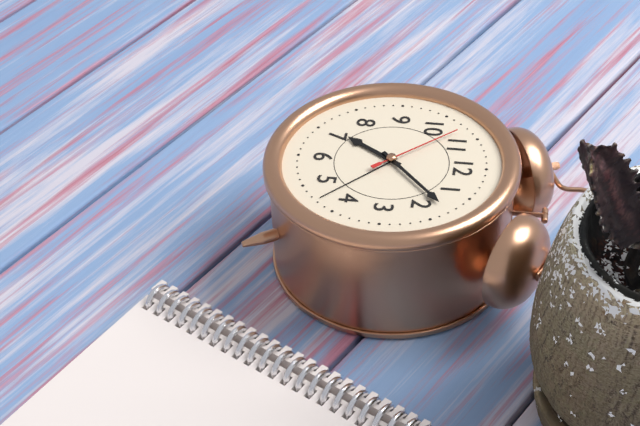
7:08:53
